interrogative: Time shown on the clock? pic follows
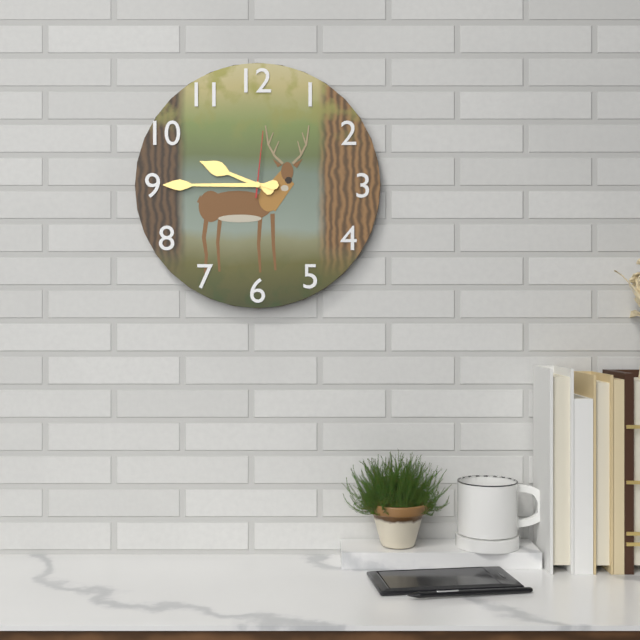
9:45:01
